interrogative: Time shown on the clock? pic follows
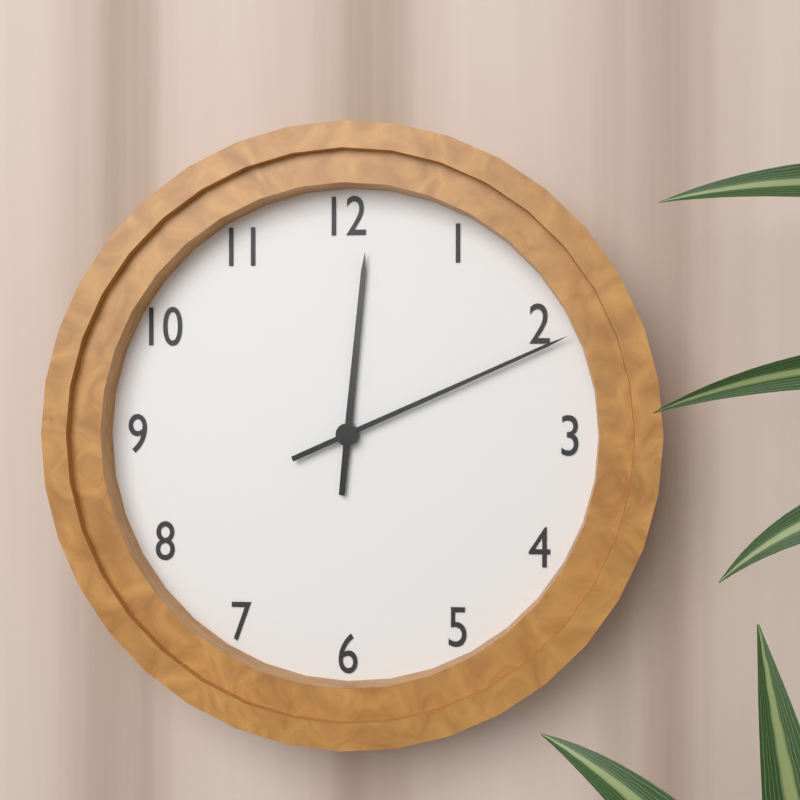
12:11
